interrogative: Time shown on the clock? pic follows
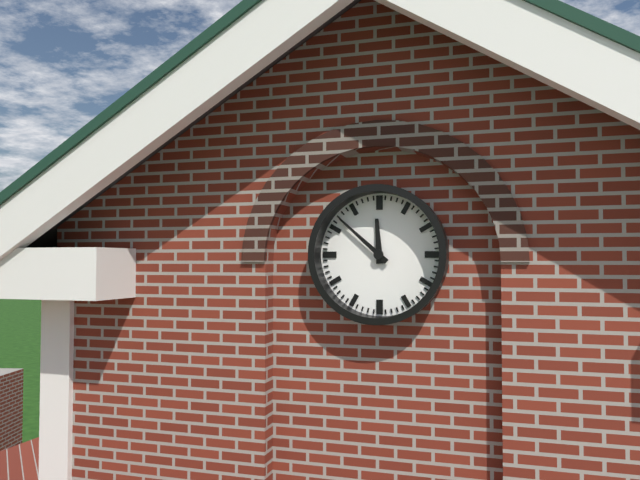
11:52
